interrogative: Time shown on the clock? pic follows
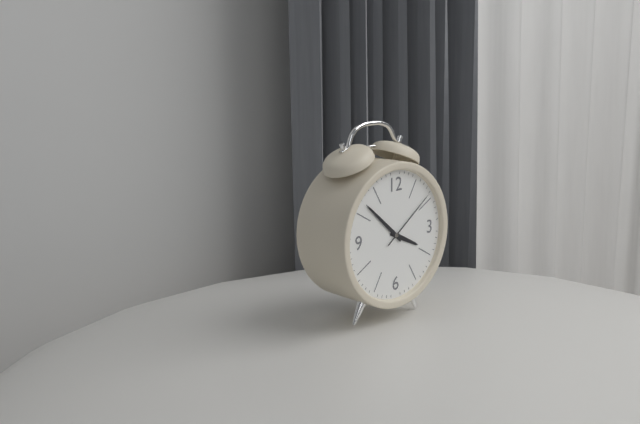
3:52:09
